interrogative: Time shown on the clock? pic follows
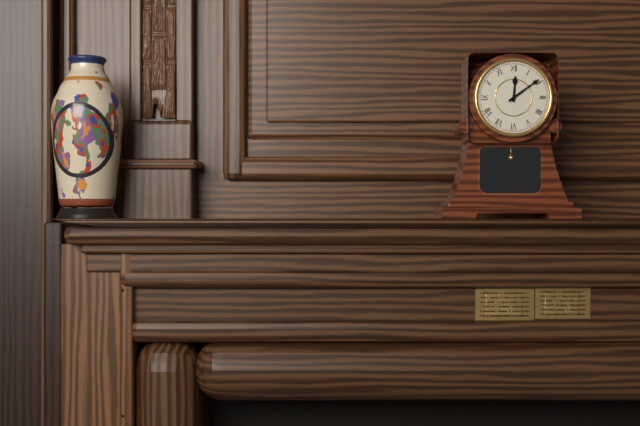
12:09
